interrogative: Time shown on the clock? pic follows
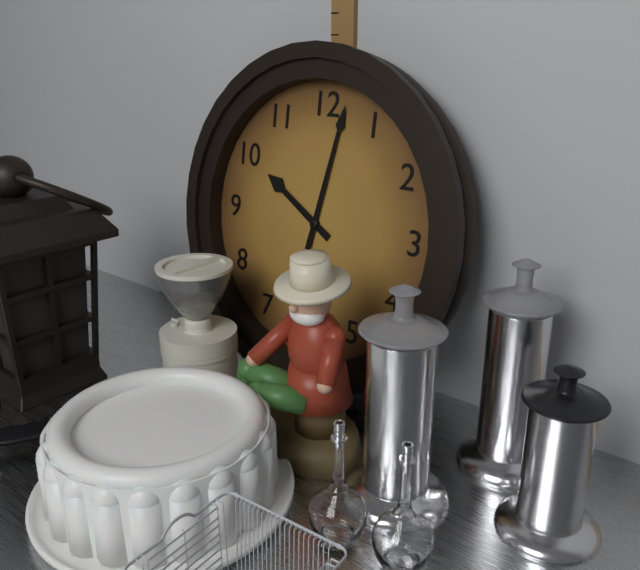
10:02
